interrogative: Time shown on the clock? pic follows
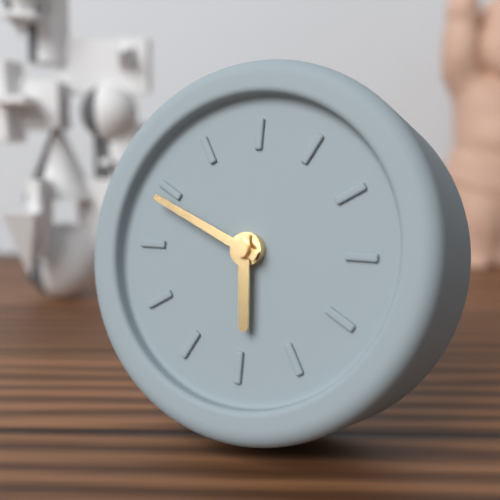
5:49
